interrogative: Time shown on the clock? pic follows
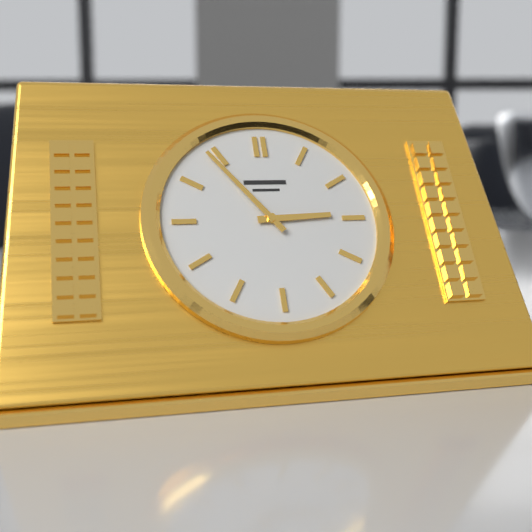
2:54
